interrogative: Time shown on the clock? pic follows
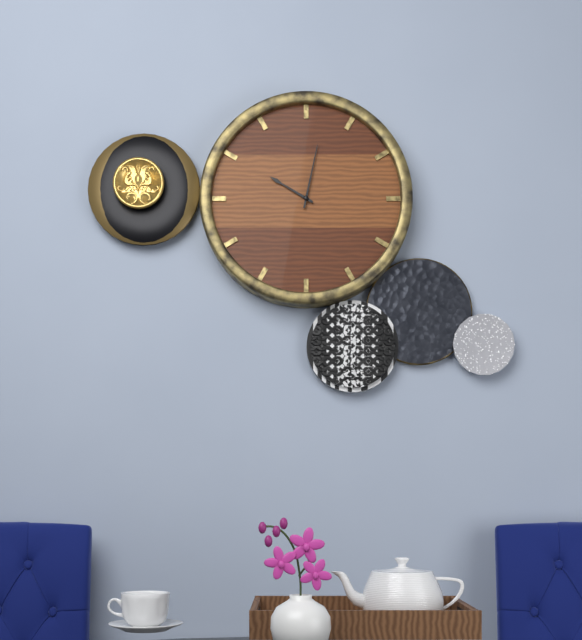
10:02
